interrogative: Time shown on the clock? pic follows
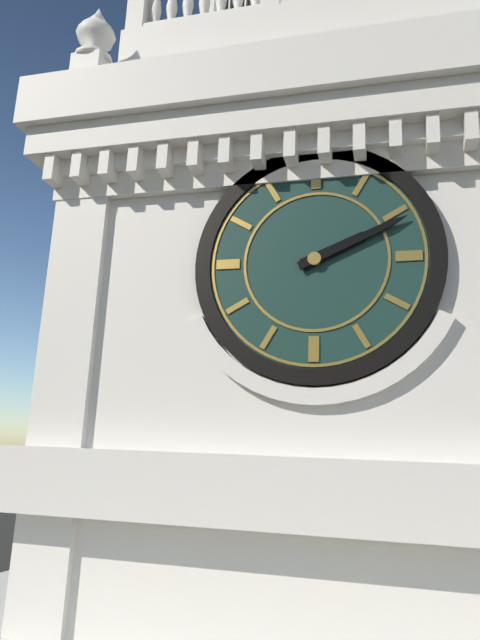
2:11
